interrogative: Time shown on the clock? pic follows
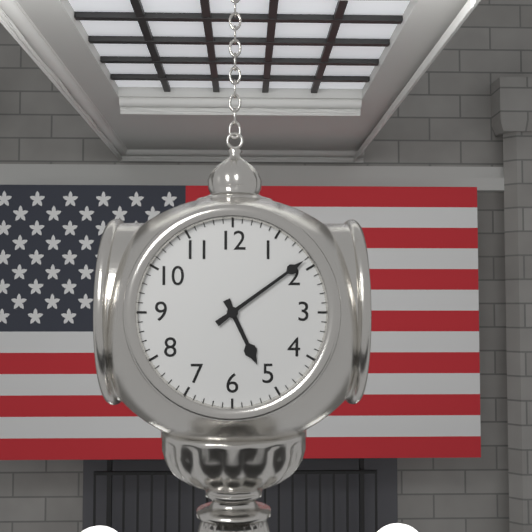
5:09
